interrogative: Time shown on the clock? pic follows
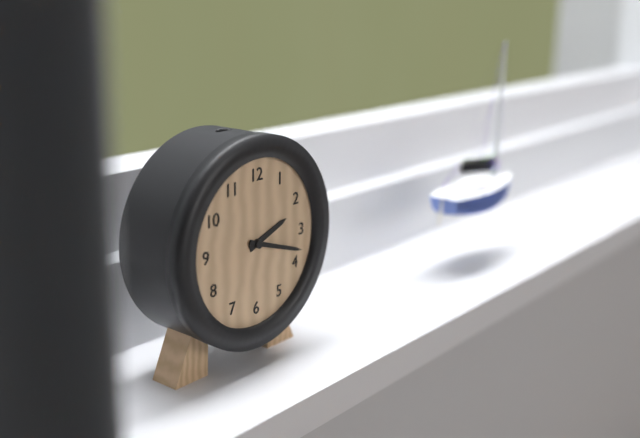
2:18
